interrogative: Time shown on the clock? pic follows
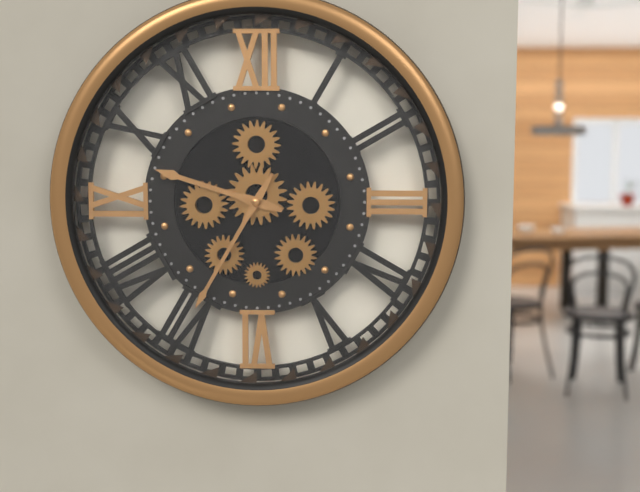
9:35
